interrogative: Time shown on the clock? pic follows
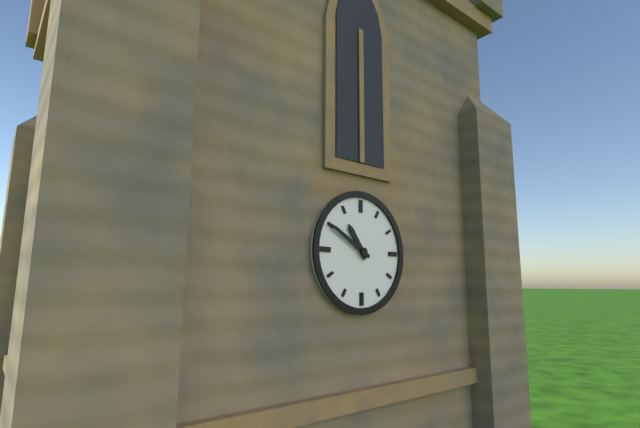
10:50
